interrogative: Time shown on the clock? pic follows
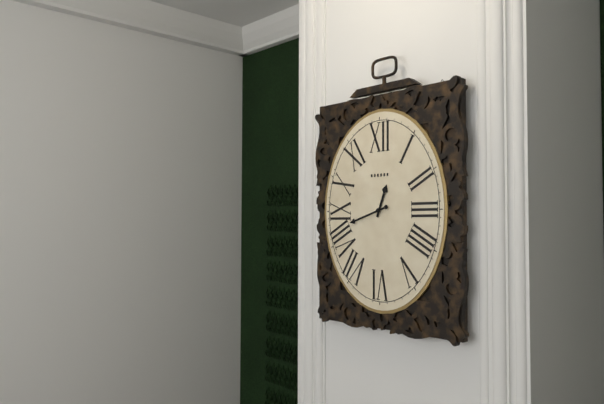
12:42
